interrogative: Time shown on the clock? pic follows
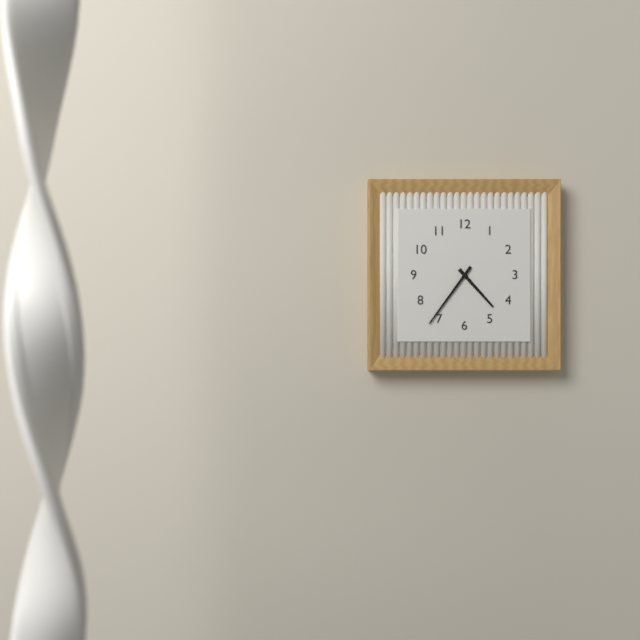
4:36
